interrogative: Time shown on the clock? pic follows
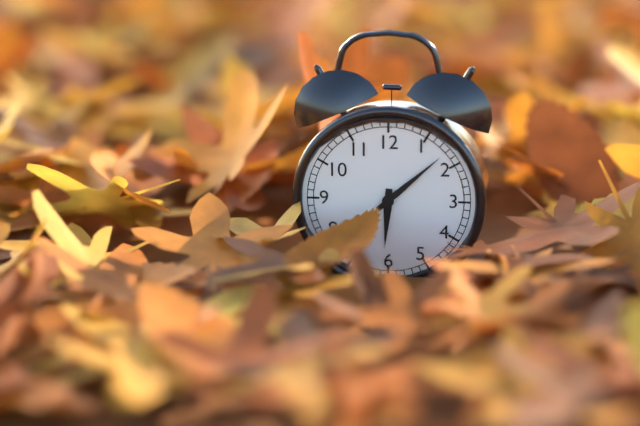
6:08
